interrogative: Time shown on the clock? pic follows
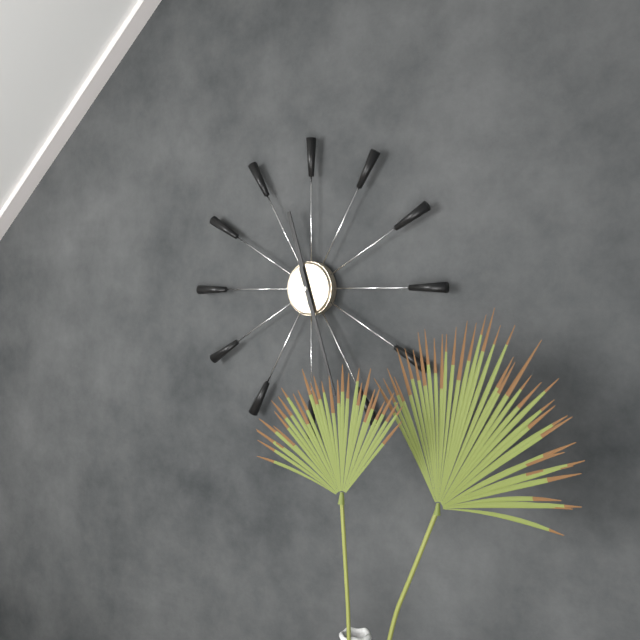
11:27
